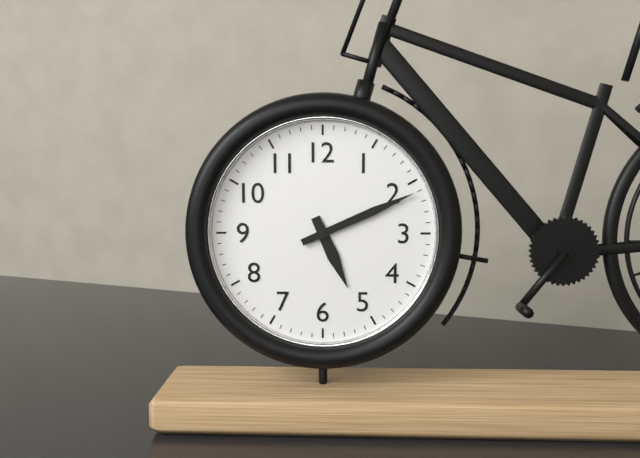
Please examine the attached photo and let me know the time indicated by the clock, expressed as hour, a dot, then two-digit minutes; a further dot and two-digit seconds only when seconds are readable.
5.11
